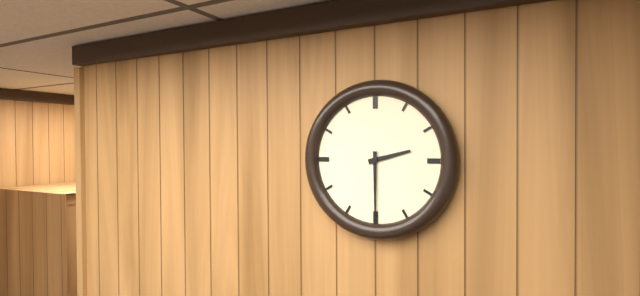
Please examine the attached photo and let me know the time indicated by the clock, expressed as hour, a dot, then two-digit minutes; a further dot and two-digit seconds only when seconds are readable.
2.30
